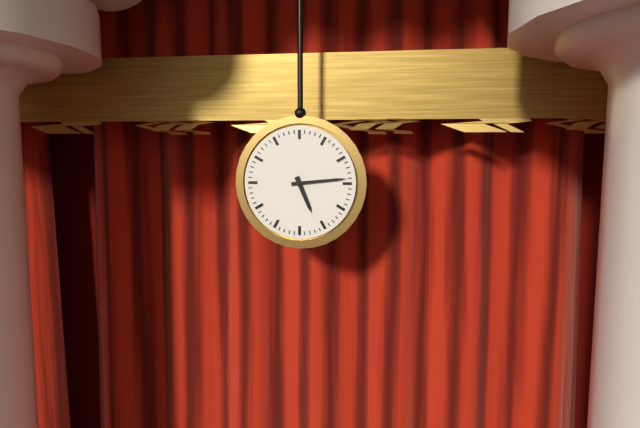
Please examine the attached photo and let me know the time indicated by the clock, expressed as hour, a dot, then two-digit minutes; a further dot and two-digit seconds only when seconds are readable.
5.14
